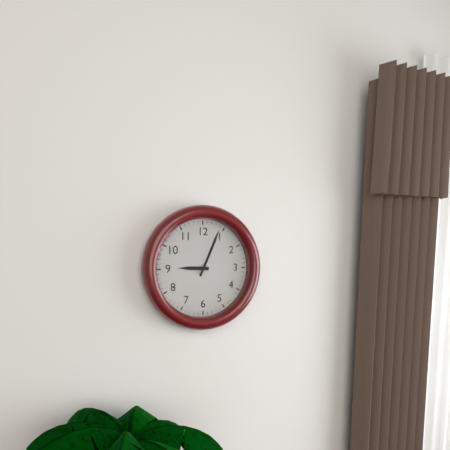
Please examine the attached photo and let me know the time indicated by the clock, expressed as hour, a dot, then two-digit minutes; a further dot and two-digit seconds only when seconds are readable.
9.04
